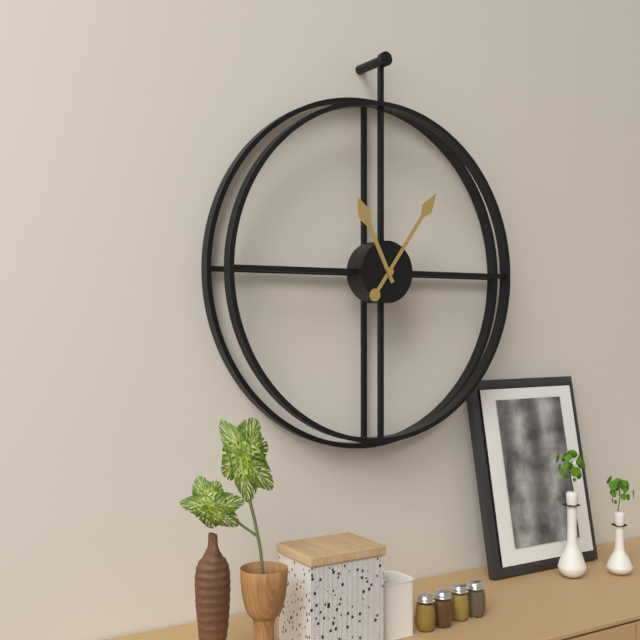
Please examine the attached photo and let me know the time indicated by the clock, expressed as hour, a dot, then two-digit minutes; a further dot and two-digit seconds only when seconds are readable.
11.06
